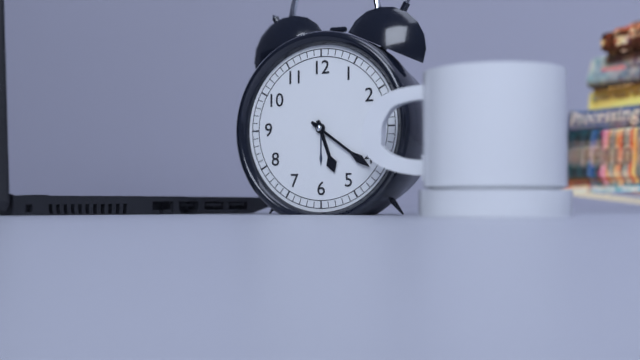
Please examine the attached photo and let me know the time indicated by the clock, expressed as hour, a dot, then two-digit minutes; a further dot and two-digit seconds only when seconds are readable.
5.21
